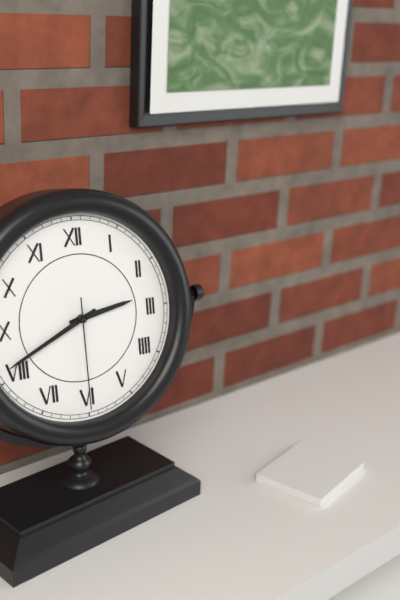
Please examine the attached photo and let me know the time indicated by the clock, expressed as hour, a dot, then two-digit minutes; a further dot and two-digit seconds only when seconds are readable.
2.41.30
